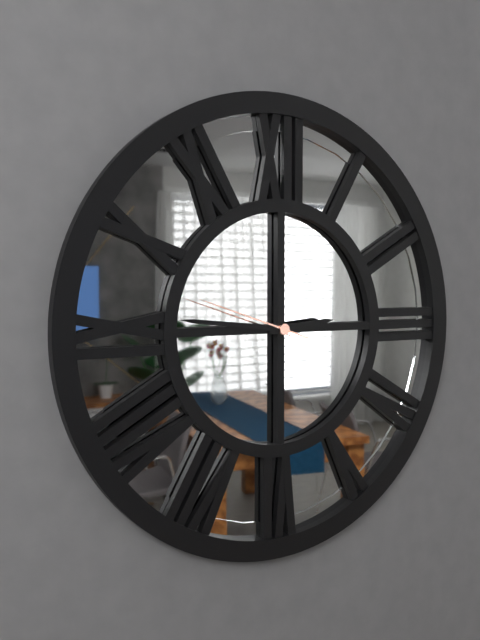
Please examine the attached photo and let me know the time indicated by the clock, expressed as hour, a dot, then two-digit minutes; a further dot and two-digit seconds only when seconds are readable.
2.46.48
